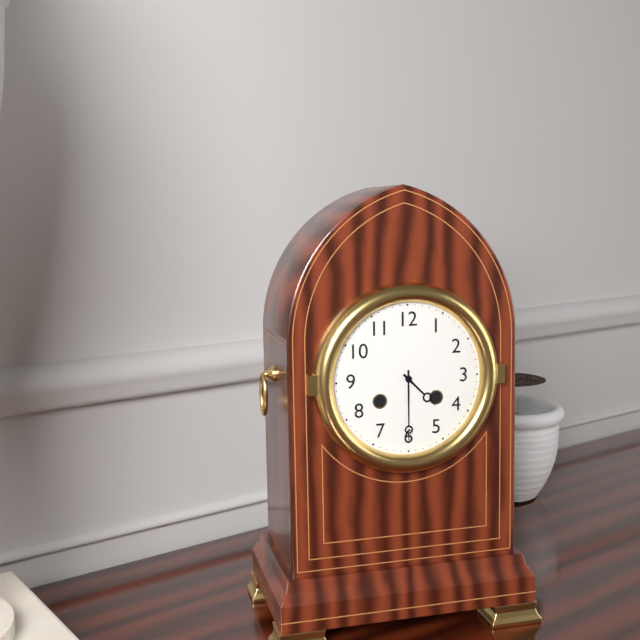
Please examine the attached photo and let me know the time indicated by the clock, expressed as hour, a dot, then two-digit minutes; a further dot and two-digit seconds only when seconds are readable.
4.30
